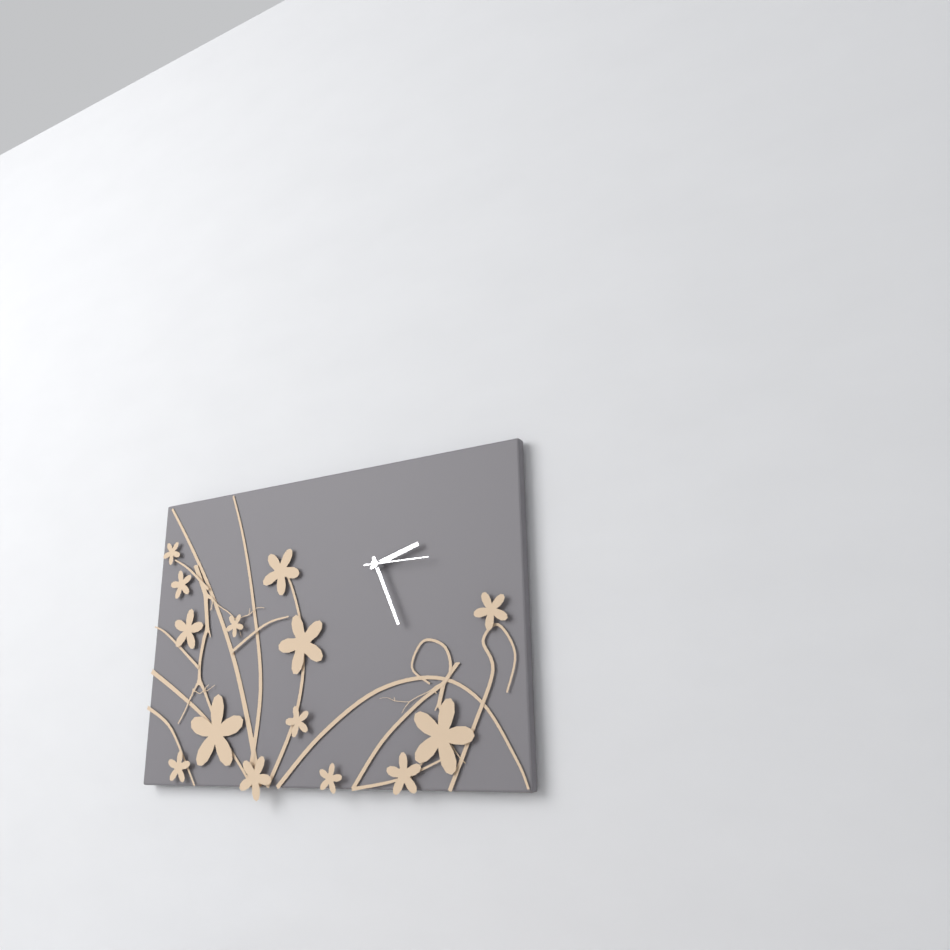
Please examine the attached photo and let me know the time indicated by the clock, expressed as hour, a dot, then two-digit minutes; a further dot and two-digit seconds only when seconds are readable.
2.26.15
